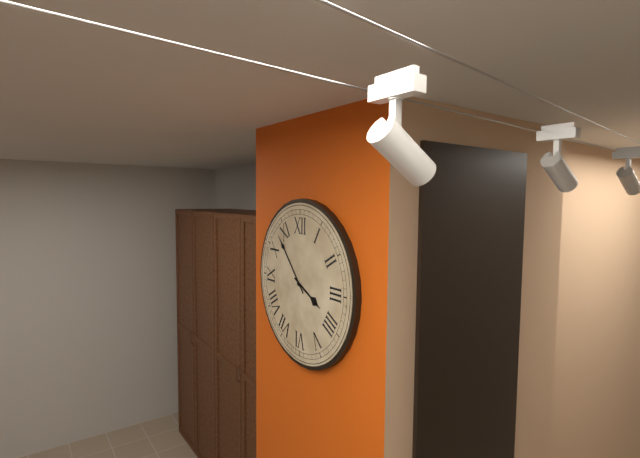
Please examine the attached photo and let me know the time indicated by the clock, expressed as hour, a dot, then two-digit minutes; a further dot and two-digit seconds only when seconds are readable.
3.53
